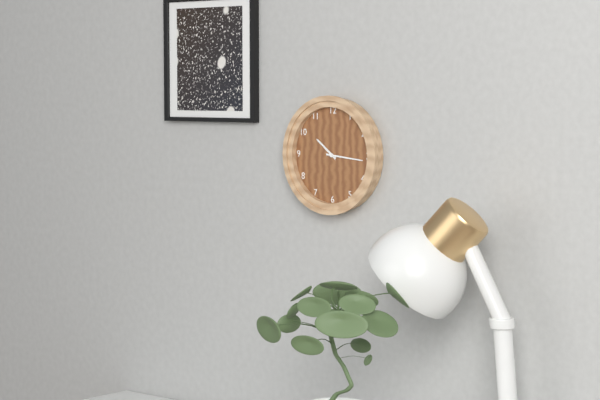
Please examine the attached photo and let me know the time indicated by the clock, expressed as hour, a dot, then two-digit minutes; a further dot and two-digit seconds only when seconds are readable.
10.16
